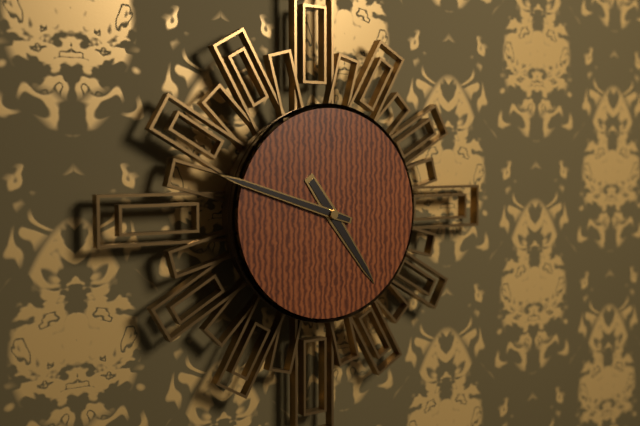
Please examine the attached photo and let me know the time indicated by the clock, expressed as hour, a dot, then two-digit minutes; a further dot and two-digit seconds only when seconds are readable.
4.48
